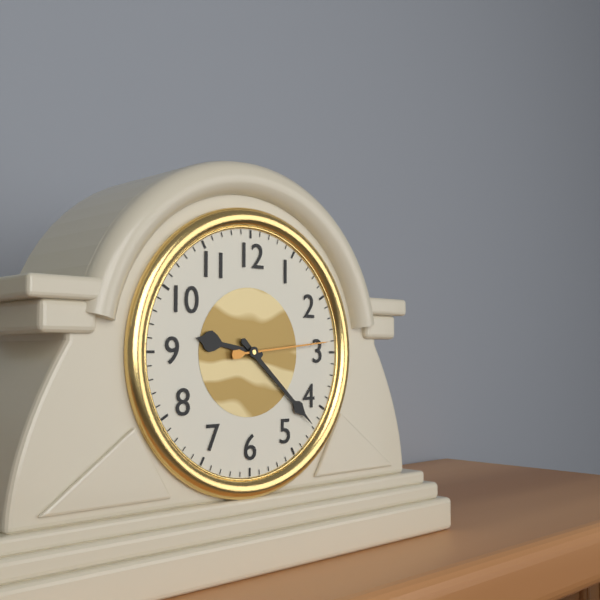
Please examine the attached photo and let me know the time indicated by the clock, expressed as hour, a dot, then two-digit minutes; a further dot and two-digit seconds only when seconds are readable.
9.22.14
